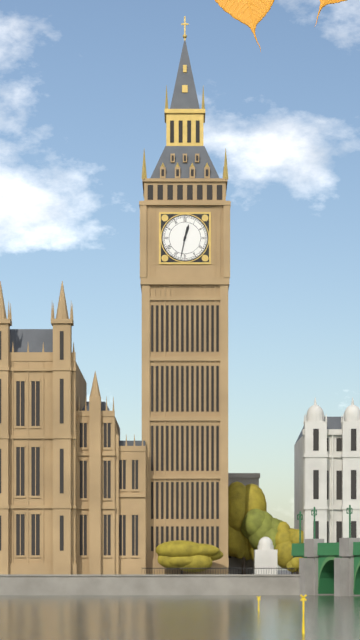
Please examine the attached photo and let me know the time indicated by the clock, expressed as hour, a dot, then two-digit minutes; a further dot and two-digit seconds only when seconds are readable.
12.32
